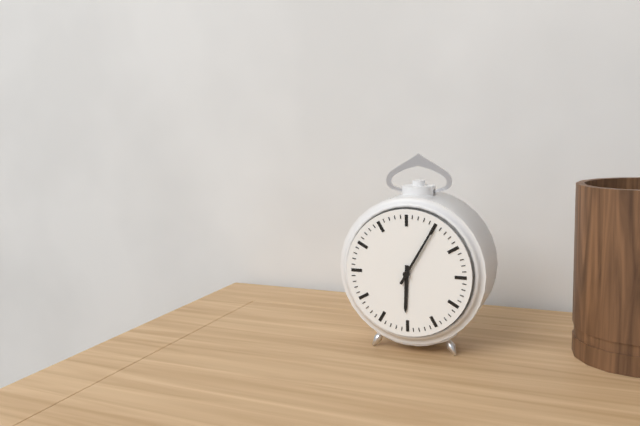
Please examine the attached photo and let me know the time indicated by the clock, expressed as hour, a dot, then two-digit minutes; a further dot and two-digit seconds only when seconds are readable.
6.05
